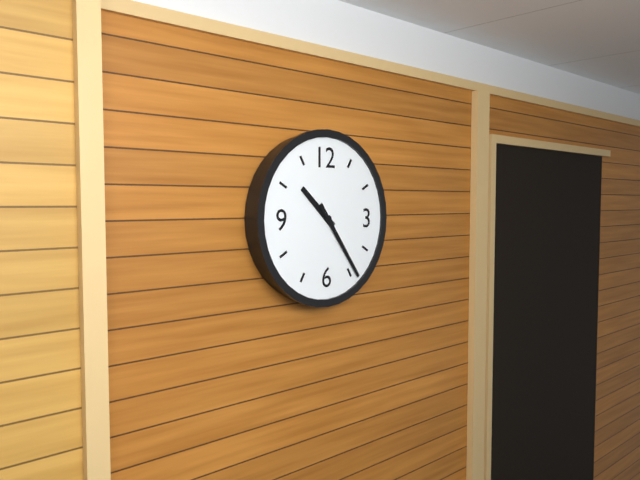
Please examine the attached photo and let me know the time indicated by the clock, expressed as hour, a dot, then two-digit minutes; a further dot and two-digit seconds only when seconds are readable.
10.24
